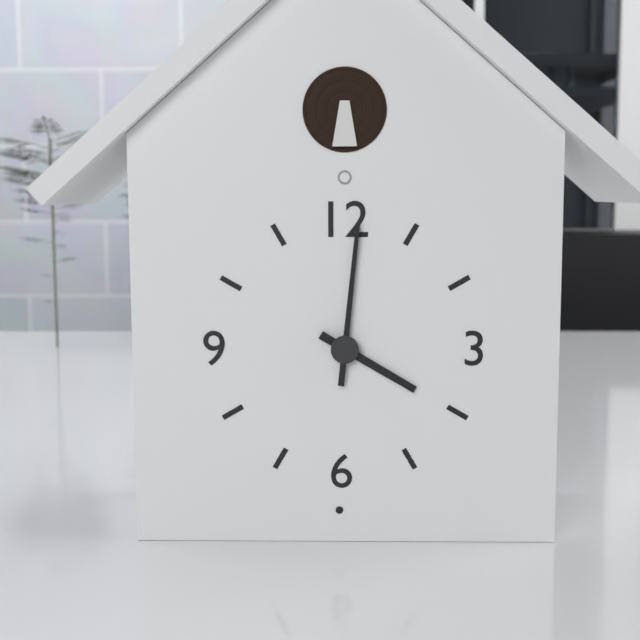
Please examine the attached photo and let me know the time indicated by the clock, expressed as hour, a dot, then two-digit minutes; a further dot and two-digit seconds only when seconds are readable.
4.01
